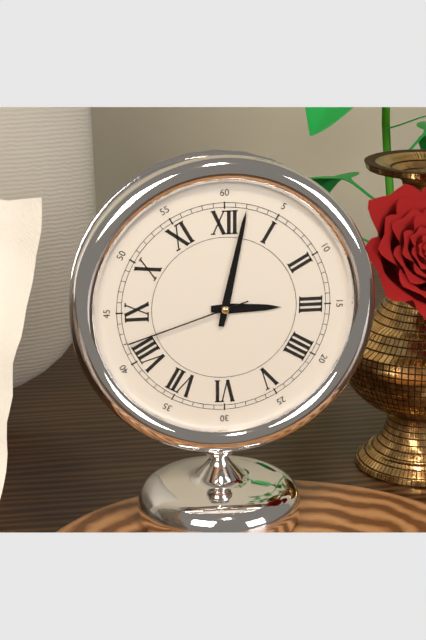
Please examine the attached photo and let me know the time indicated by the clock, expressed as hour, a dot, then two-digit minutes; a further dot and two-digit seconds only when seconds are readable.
3.02.42
